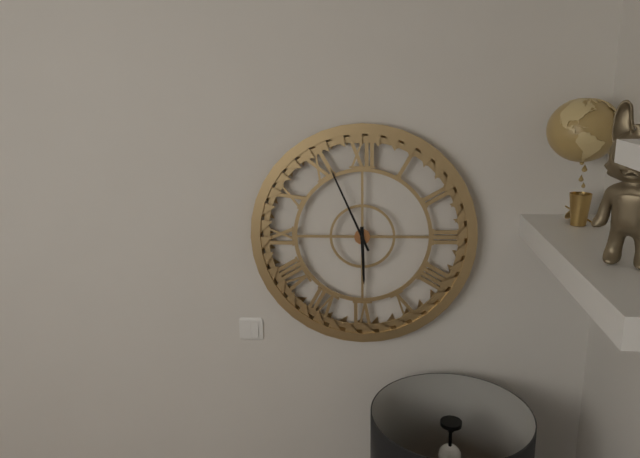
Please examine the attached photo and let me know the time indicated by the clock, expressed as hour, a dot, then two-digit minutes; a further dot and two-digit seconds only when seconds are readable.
5.56
